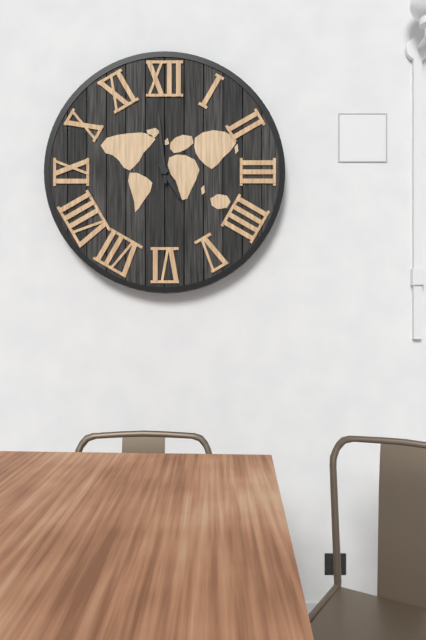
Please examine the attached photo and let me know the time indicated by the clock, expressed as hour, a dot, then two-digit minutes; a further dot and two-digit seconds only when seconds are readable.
4.59
